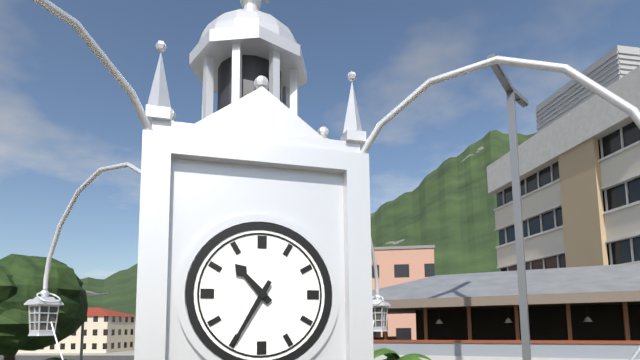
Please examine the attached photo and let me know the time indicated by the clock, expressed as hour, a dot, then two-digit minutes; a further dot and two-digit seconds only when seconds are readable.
10.35
